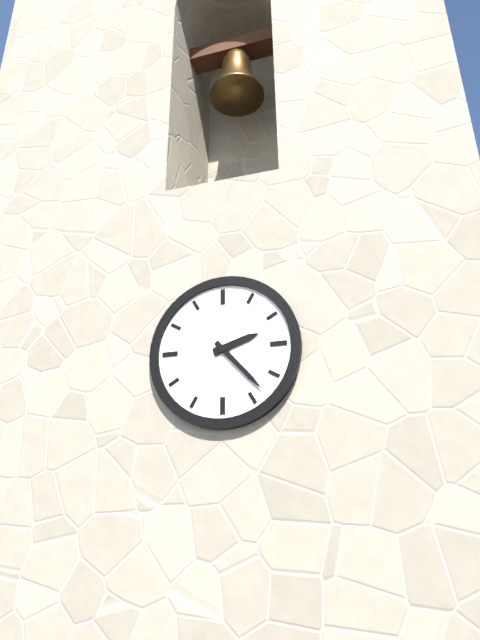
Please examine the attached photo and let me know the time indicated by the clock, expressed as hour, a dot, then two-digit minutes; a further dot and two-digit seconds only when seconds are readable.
2.23
